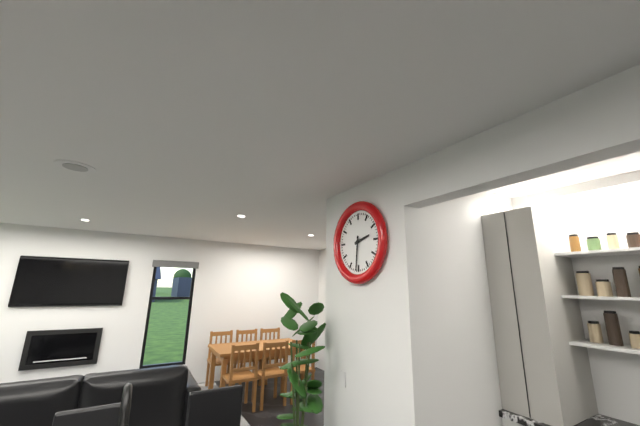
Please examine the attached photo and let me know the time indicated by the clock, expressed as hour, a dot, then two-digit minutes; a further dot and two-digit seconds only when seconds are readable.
2.31
